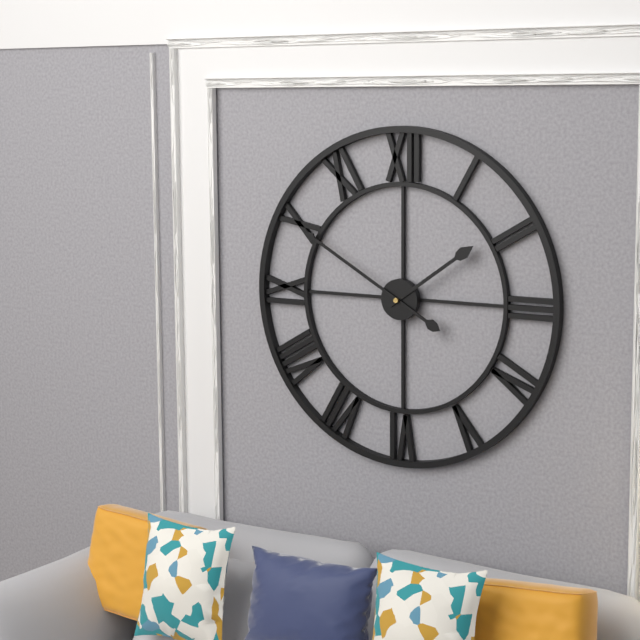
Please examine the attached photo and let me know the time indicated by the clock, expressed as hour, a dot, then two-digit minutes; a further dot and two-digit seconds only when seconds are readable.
1.50
